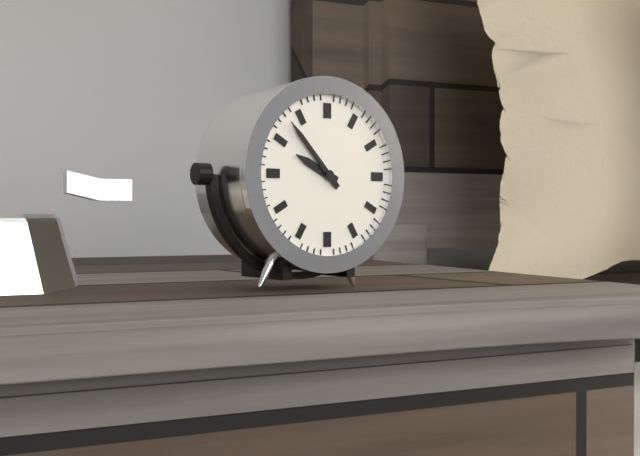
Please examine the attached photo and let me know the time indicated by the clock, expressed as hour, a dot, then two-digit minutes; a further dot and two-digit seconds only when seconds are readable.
9.53
